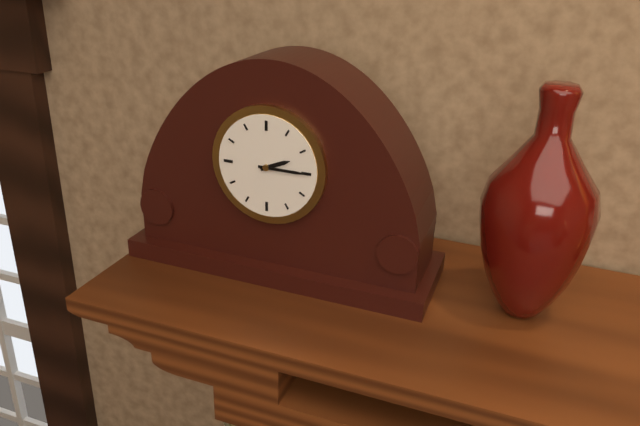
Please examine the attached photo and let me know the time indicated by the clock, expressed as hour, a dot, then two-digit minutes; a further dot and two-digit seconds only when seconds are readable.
2.15
